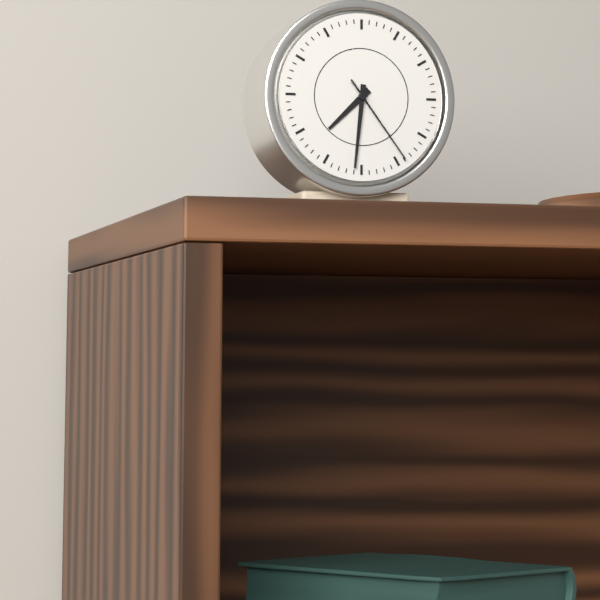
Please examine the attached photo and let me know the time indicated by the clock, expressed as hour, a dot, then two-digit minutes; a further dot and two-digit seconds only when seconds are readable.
7.31.24
